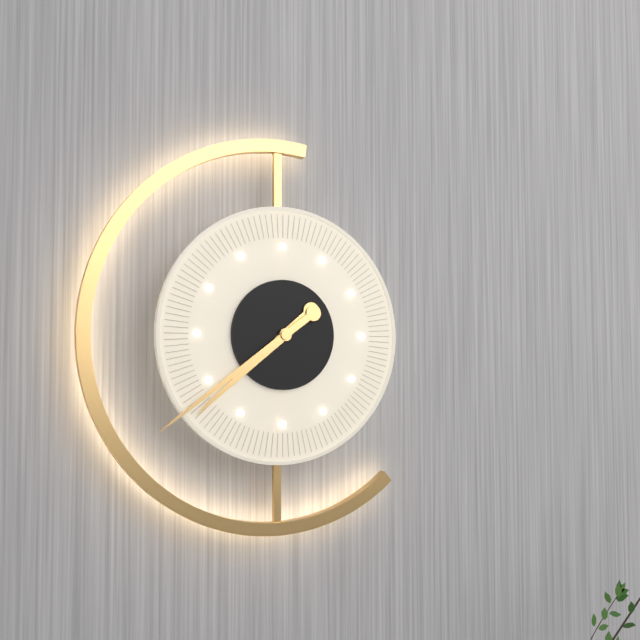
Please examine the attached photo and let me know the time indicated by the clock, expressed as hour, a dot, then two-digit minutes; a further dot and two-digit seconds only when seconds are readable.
7.39
